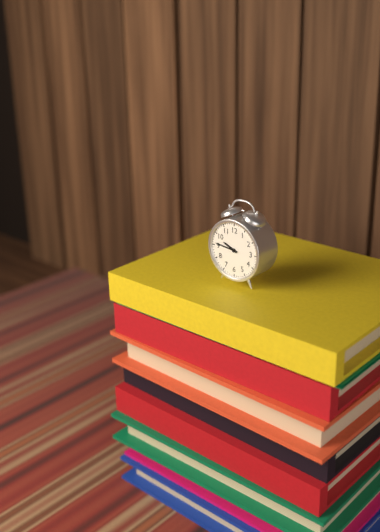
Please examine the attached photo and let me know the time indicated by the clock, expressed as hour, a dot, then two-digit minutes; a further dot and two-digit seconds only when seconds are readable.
9.46
